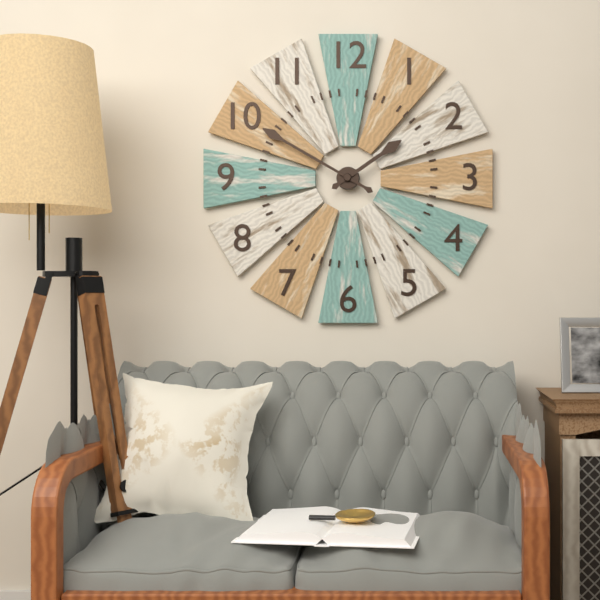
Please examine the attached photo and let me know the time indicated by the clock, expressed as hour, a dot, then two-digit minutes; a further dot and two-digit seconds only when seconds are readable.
1.50
